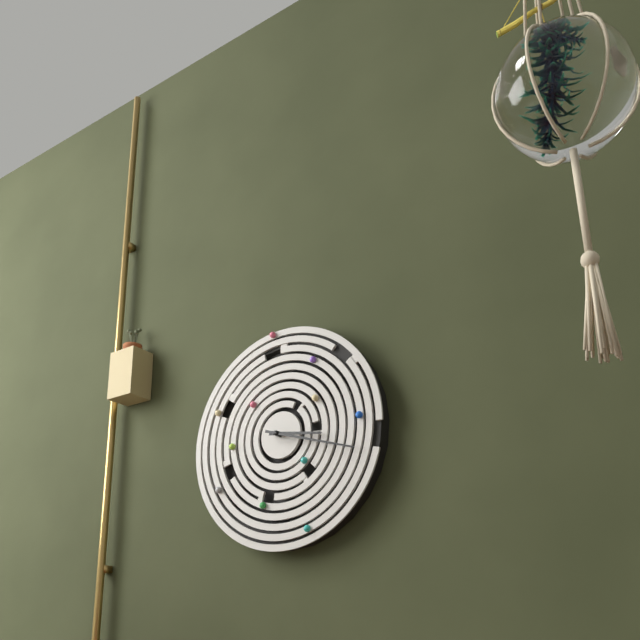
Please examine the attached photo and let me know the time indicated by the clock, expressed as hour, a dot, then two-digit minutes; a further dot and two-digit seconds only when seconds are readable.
3.18
